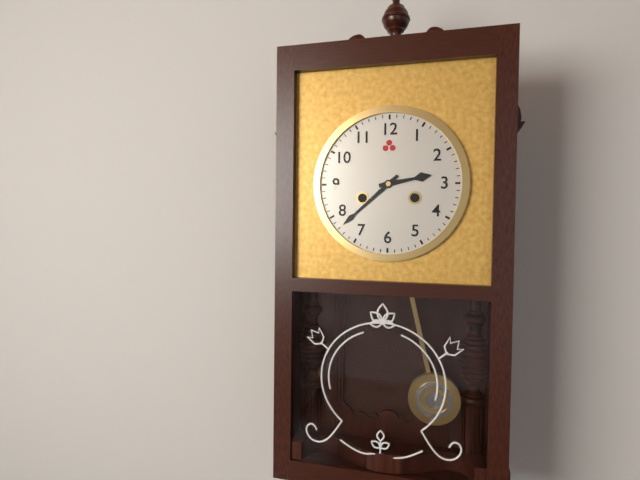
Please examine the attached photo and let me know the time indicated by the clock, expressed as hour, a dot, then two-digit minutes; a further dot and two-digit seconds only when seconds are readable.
2.38
